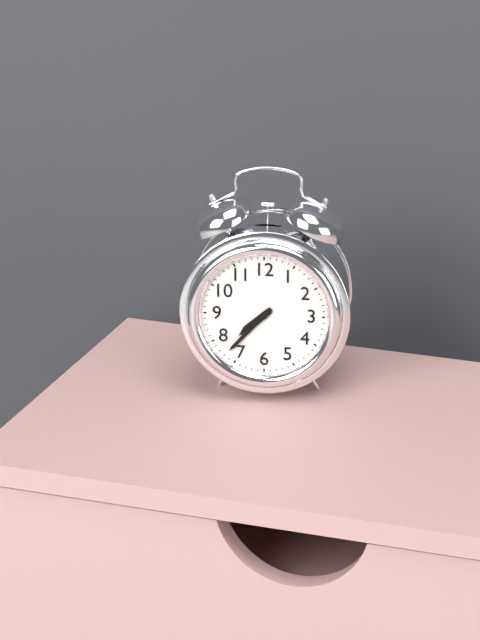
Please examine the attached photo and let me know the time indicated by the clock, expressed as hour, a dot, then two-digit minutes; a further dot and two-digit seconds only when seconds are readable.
7.37
